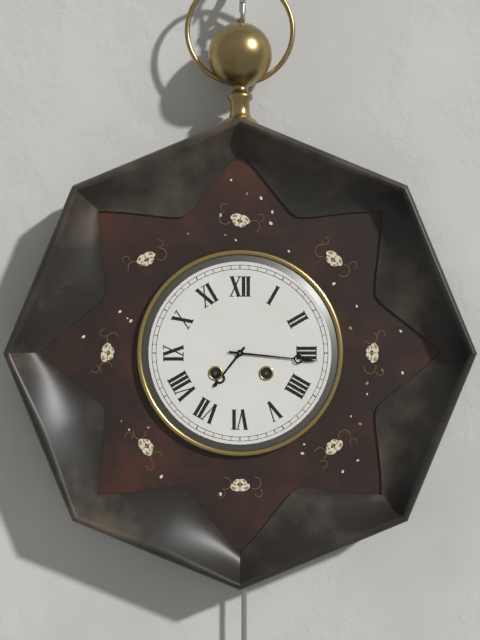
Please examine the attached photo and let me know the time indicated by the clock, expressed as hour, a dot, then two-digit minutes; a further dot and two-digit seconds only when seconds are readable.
7.16
